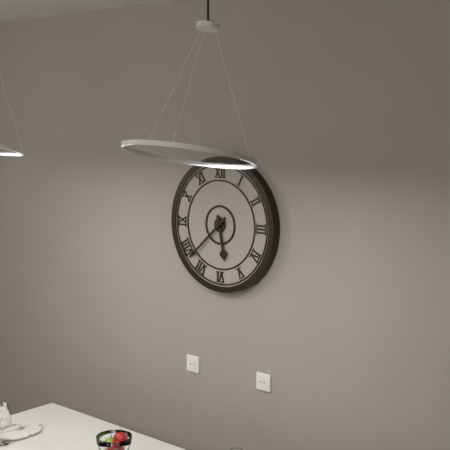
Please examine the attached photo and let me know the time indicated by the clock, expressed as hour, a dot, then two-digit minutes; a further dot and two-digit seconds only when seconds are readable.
5.38
